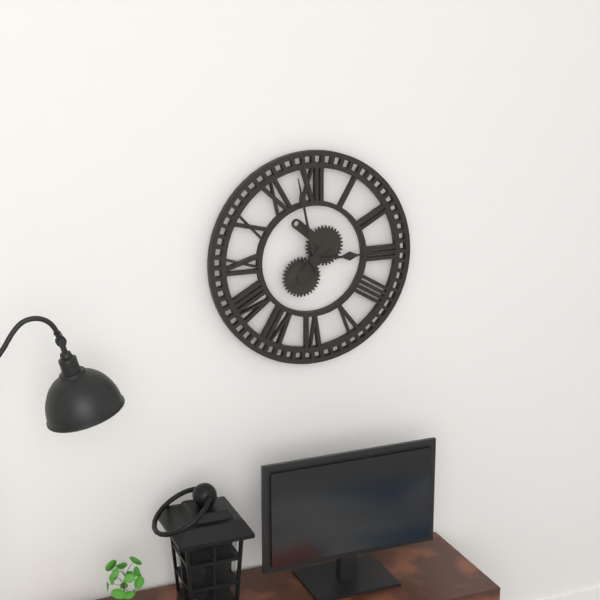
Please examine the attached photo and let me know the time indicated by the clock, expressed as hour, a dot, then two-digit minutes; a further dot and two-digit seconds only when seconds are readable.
2.58
